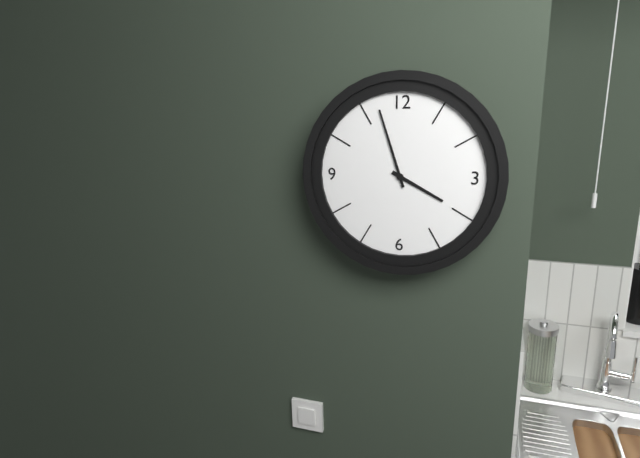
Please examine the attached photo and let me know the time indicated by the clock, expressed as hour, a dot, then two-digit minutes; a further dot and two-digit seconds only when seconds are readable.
3.57
